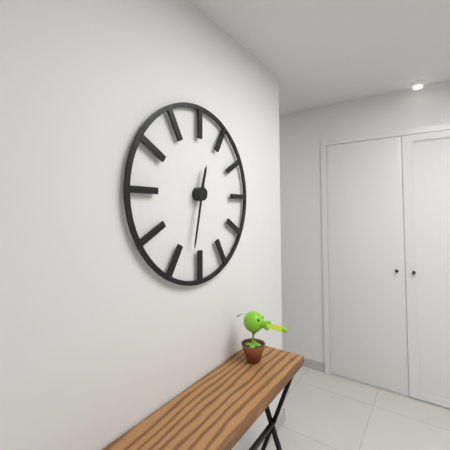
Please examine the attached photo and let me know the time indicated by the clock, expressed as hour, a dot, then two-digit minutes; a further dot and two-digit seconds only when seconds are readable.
12.32
